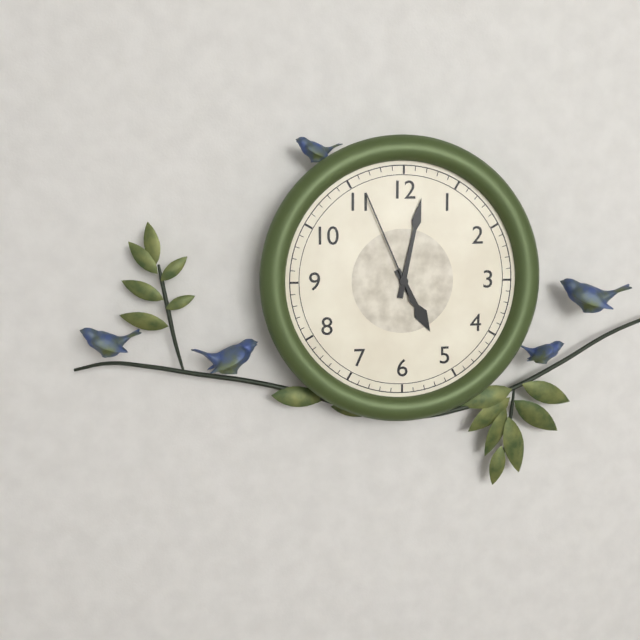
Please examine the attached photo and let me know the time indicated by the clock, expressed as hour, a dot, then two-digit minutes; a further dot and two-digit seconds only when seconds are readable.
5.02.56
